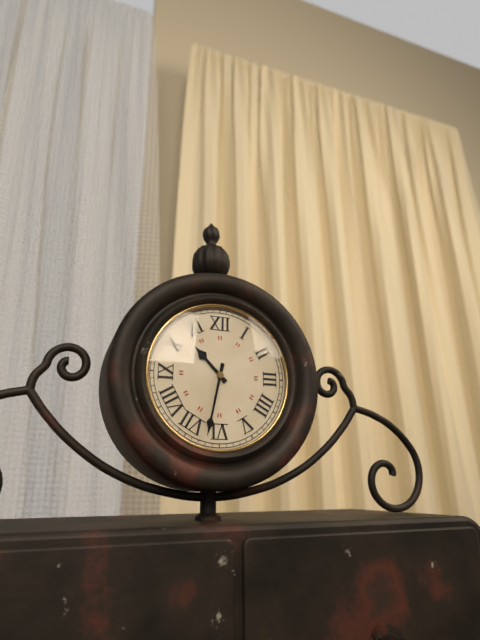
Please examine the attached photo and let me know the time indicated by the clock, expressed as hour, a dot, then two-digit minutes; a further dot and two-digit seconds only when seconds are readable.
10.32
